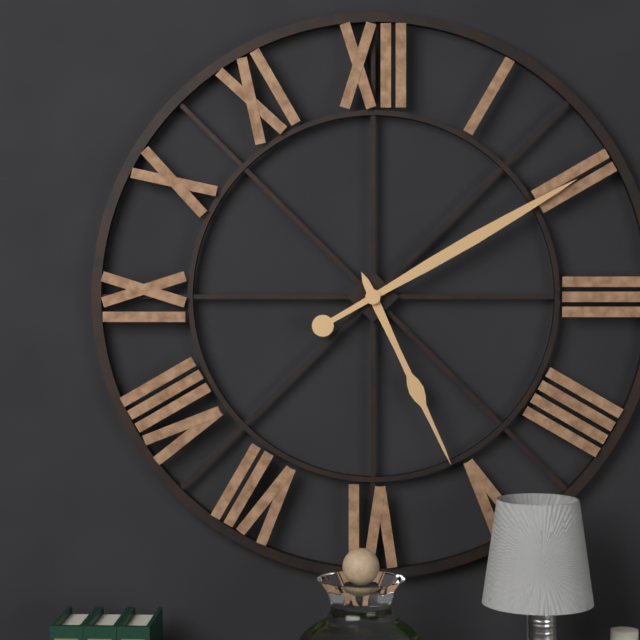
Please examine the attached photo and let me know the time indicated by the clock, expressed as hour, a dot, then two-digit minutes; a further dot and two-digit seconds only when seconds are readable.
5.10
